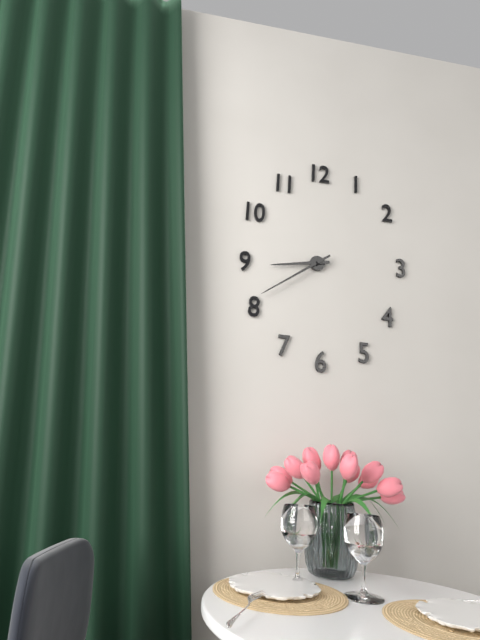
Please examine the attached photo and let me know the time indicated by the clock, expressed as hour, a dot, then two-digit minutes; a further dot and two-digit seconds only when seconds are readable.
8.39
